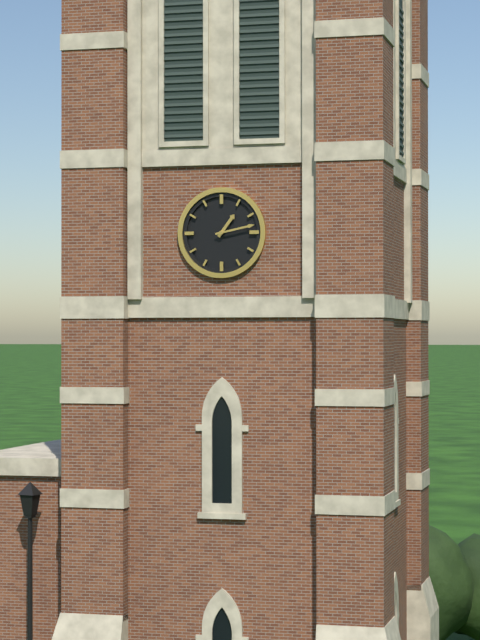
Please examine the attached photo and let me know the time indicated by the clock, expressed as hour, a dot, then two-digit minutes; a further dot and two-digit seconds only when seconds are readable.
1.13
